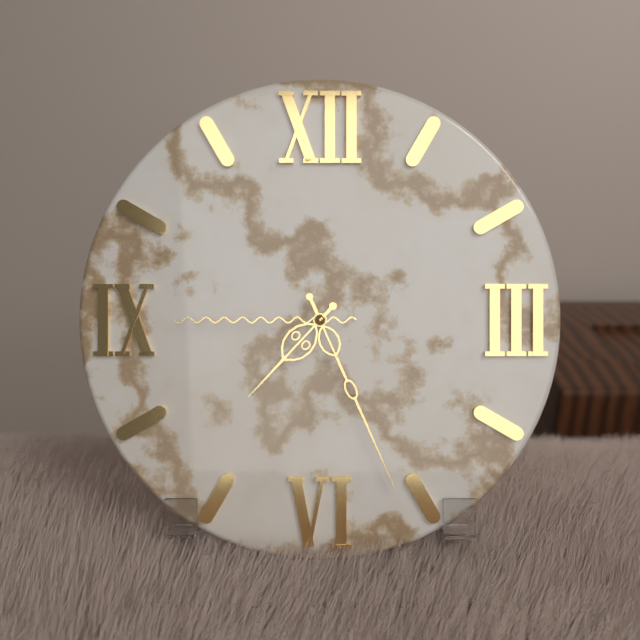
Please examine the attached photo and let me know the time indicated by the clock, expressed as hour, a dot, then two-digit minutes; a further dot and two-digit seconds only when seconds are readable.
7.26.45
